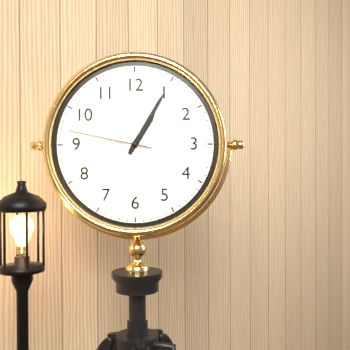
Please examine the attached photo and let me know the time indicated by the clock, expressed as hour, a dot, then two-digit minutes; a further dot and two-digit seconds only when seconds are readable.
1.05.47
